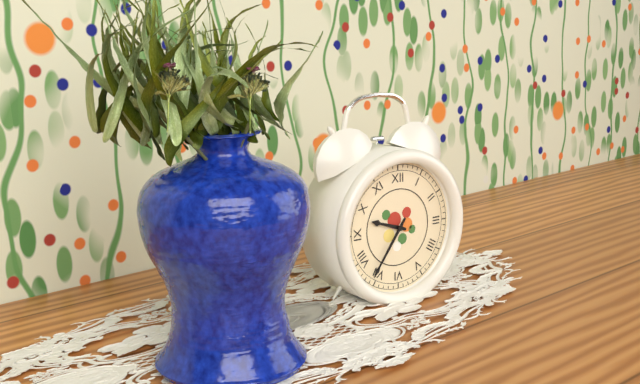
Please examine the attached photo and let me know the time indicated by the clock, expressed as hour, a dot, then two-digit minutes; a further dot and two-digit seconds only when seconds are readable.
9.36
